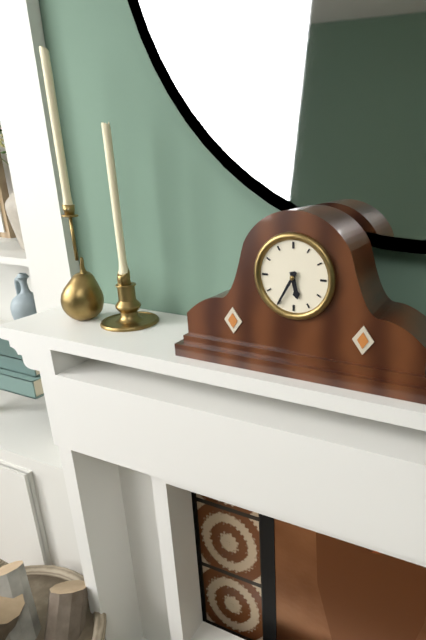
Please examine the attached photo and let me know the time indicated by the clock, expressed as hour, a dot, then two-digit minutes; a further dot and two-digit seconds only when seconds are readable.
5.35
